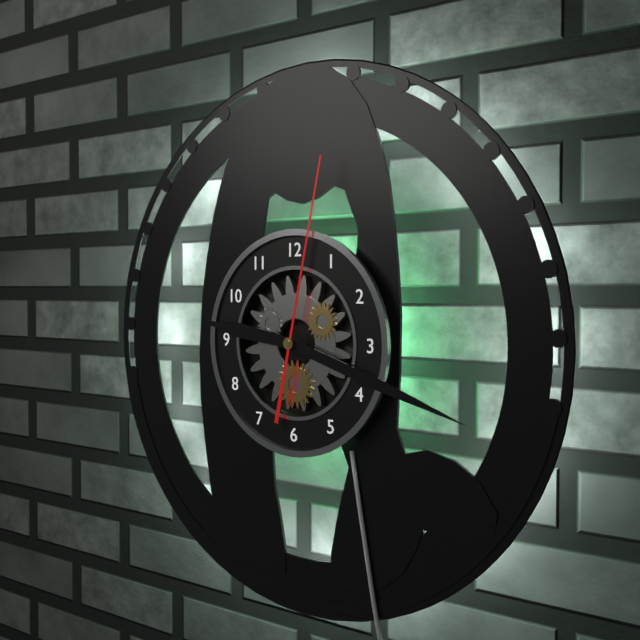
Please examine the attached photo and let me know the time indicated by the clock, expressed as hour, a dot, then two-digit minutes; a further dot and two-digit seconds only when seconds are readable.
9.18.02
